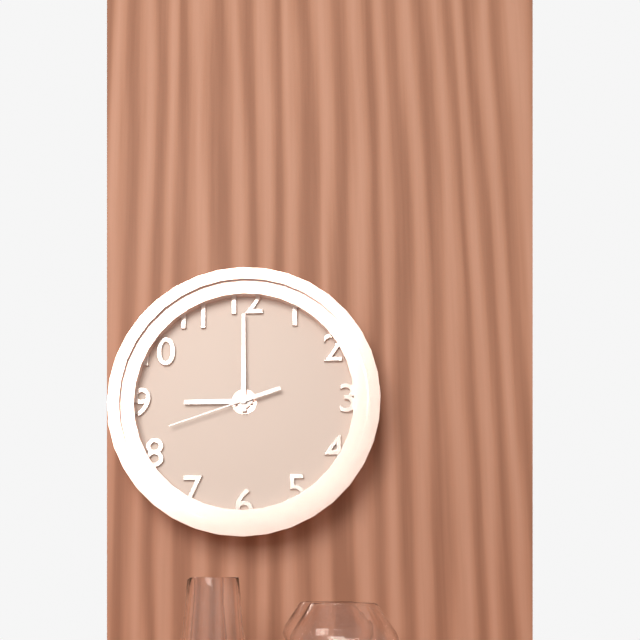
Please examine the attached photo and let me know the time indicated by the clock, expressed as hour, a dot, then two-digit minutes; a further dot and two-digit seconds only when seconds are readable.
9.00.42
